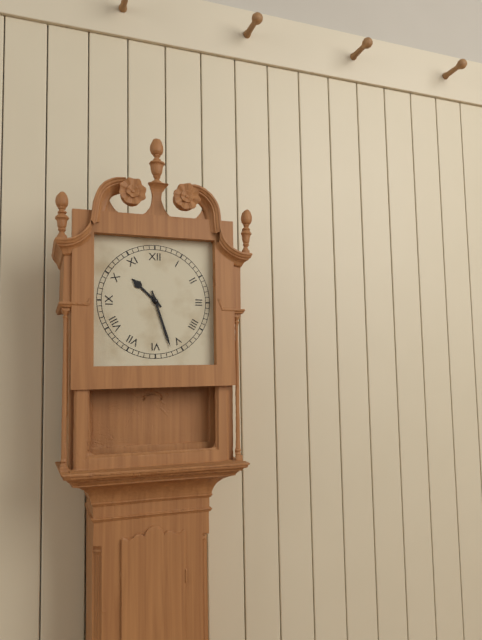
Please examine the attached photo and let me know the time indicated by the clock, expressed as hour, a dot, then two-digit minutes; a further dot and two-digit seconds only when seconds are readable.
10.27
